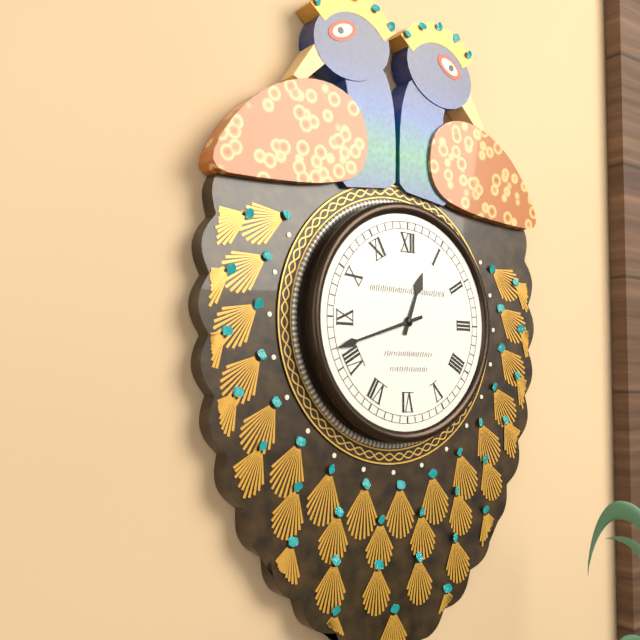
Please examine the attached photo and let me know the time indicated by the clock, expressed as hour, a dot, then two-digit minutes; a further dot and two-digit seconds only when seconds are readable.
12.42
